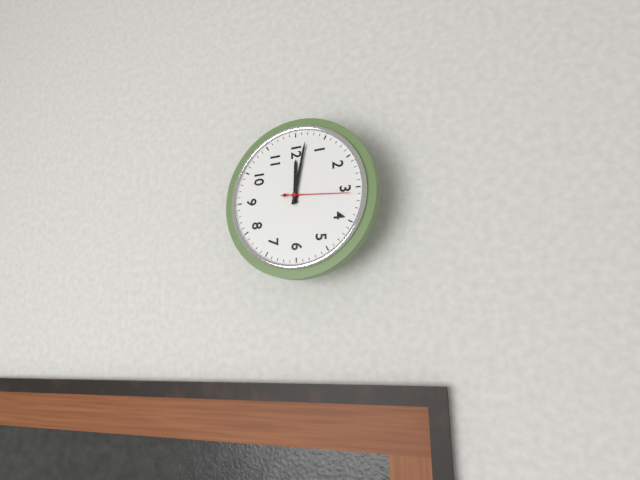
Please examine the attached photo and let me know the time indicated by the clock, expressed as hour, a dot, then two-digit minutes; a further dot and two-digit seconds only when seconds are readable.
12.02.16
